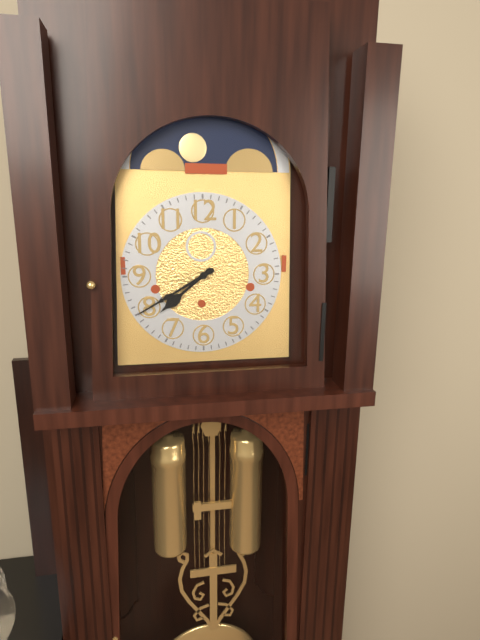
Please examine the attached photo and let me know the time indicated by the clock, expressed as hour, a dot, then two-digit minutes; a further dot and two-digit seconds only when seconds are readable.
7.40
